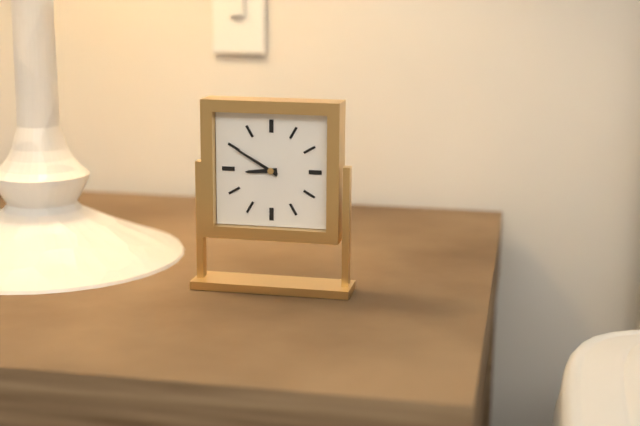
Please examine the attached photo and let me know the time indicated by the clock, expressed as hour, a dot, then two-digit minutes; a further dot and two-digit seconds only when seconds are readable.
8.50
